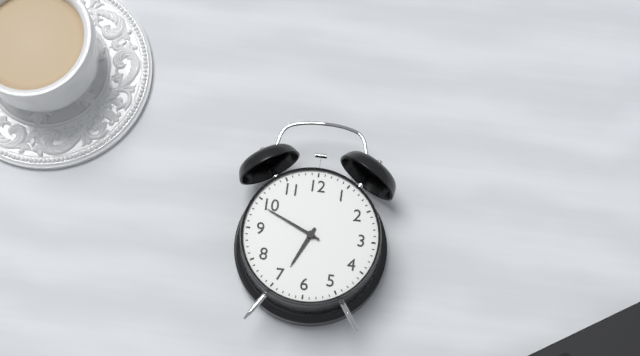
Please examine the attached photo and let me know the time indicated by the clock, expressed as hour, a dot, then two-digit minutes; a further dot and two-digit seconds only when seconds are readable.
6.49
